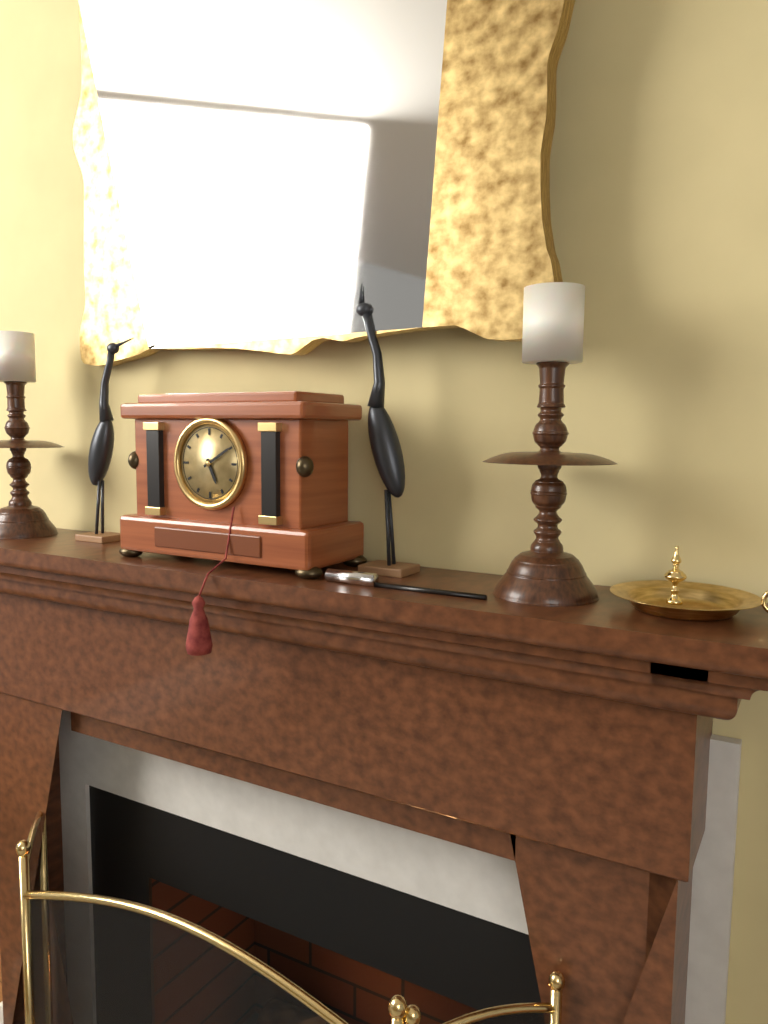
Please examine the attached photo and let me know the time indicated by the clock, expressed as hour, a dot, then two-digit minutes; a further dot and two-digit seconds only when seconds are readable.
5.10
